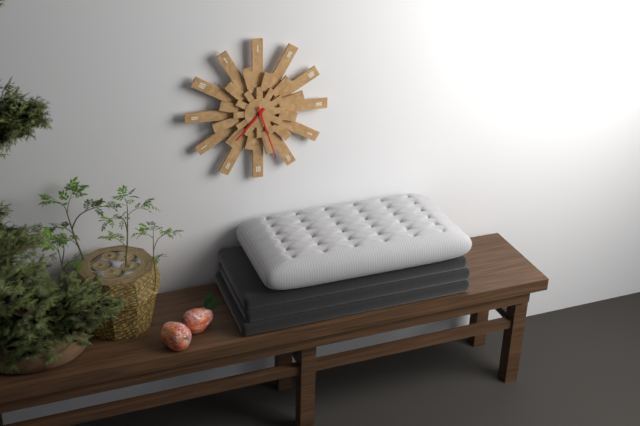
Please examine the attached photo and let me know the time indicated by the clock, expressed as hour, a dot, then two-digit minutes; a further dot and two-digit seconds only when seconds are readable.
7.27
